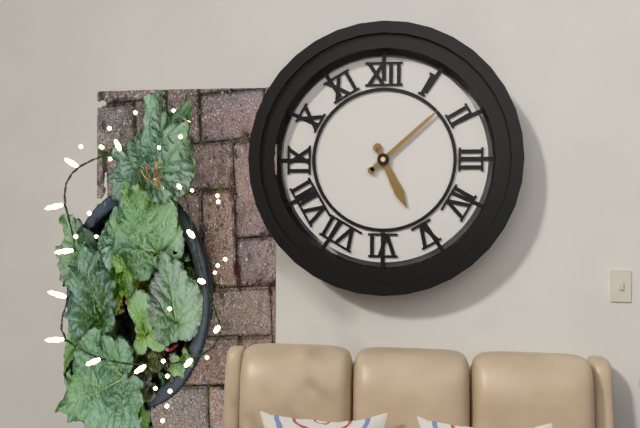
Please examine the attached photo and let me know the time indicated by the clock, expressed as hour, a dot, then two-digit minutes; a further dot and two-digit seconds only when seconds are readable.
5.08
